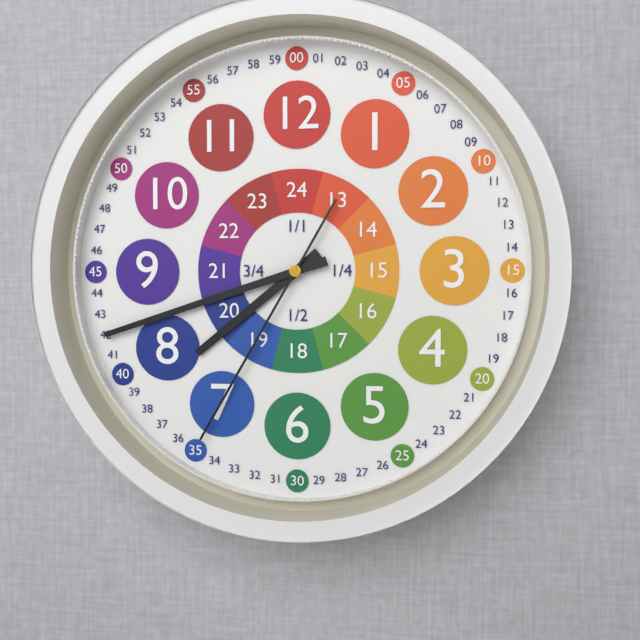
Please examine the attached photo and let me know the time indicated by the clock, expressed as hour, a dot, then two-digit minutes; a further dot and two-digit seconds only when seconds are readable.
7.42.35
